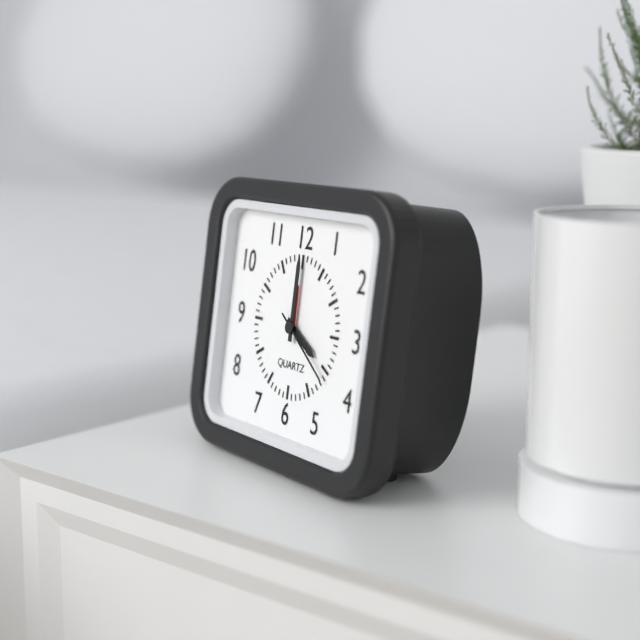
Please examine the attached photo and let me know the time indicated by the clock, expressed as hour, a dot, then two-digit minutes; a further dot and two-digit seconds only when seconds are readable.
4.00.21
